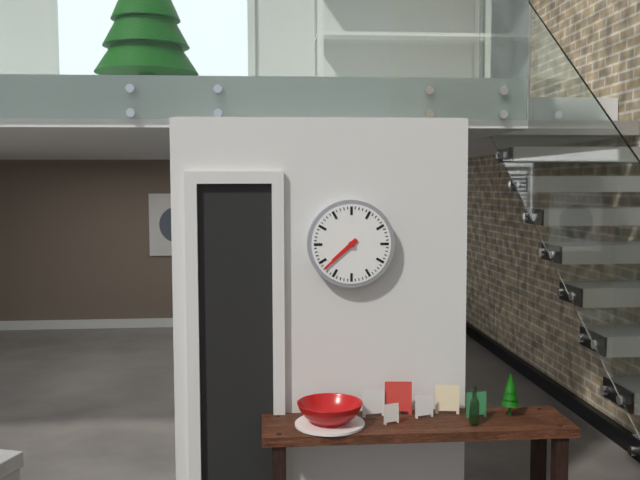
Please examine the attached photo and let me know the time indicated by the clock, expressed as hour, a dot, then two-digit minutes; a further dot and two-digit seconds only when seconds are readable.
7.38
